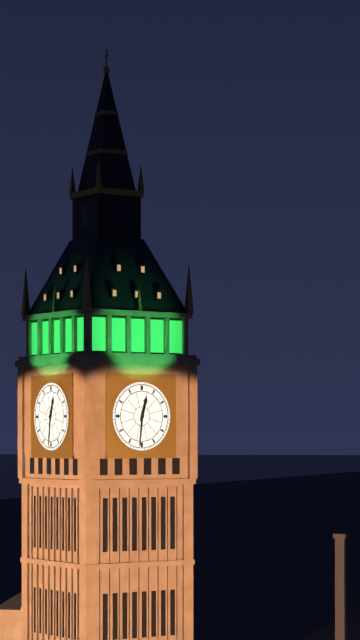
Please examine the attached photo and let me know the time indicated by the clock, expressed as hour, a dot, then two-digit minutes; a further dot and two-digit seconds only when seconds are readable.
12.31
